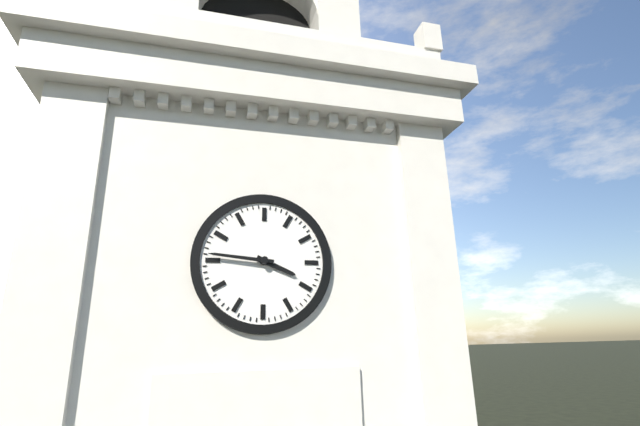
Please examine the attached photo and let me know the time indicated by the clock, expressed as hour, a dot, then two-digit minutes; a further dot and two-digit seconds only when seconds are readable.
3.46
